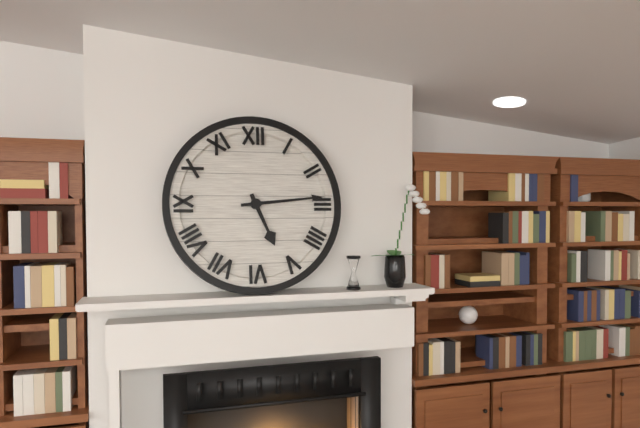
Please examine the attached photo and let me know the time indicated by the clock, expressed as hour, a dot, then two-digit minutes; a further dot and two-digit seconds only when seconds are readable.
5.14
